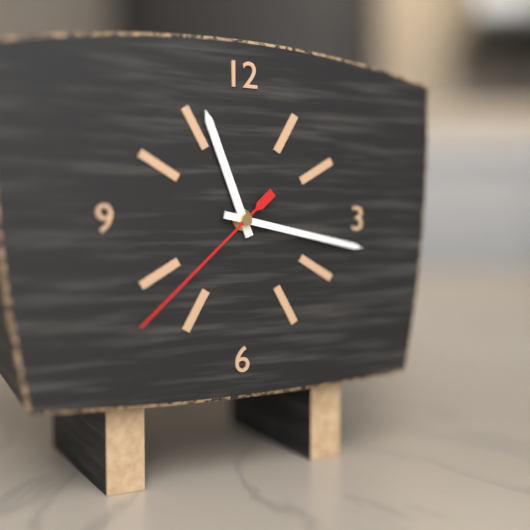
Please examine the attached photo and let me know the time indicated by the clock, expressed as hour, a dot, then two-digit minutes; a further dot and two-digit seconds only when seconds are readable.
11.17.38
